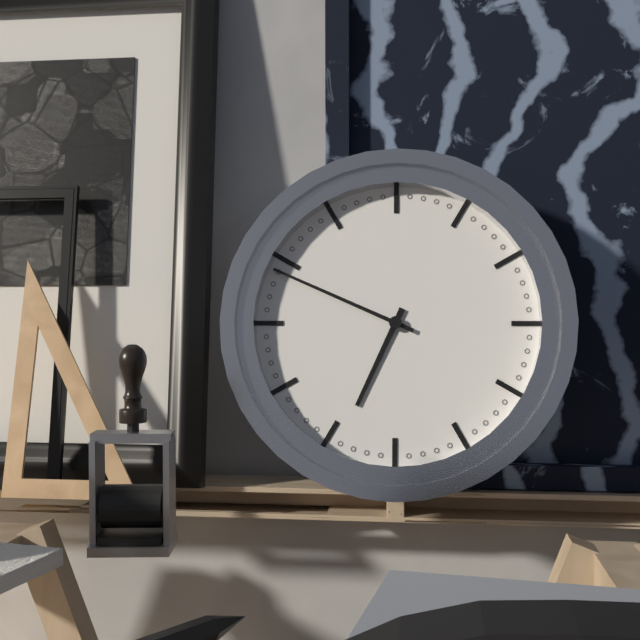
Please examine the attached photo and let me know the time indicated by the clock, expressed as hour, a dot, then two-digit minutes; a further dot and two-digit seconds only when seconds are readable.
6.49
